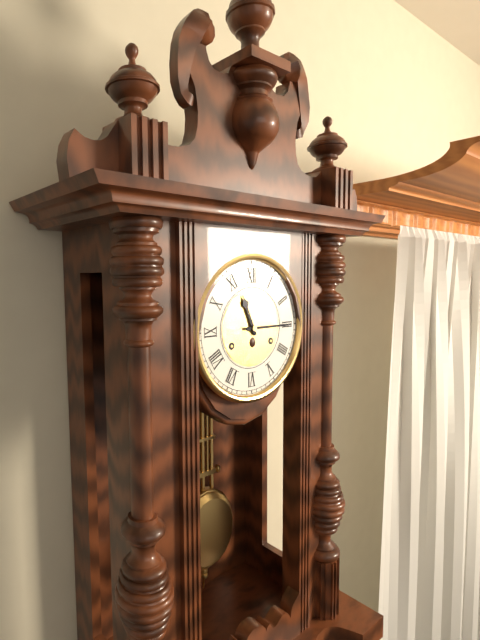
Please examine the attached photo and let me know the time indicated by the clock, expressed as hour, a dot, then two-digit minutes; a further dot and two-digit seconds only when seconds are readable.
11.15
